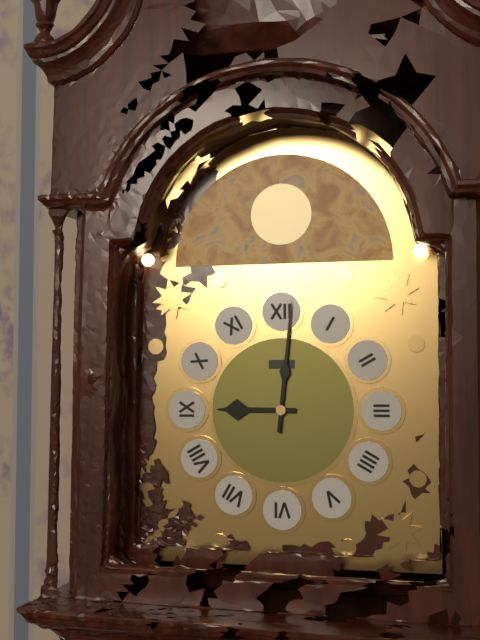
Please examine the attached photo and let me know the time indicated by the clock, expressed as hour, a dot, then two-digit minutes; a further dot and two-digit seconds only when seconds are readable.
9.01
